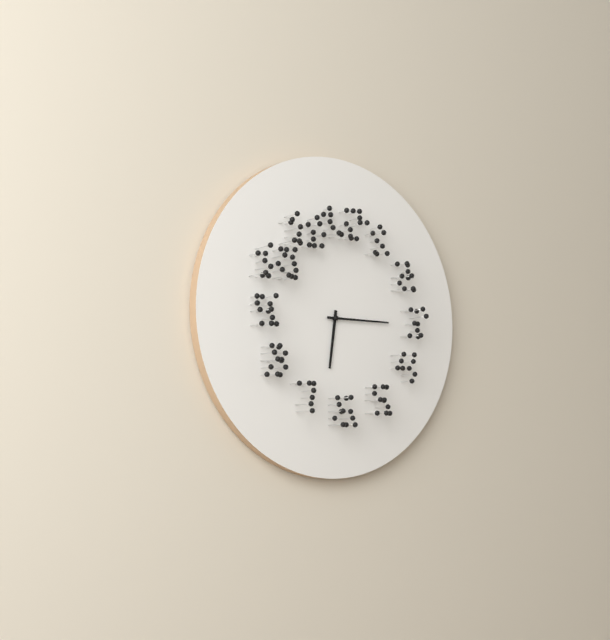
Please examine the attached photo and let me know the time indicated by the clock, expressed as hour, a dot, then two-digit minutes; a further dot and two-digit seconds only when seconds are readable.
6.15
